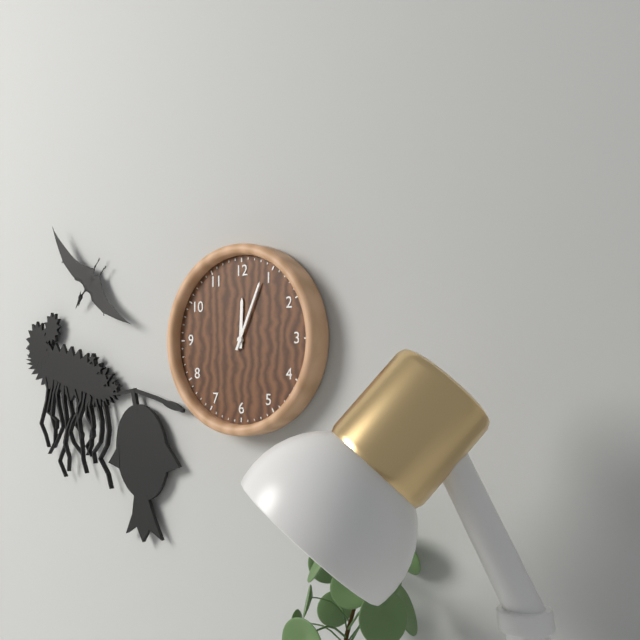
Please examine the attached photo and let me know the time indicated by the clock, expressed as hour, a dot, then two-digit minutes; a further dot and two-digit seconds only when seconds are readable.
12.04
